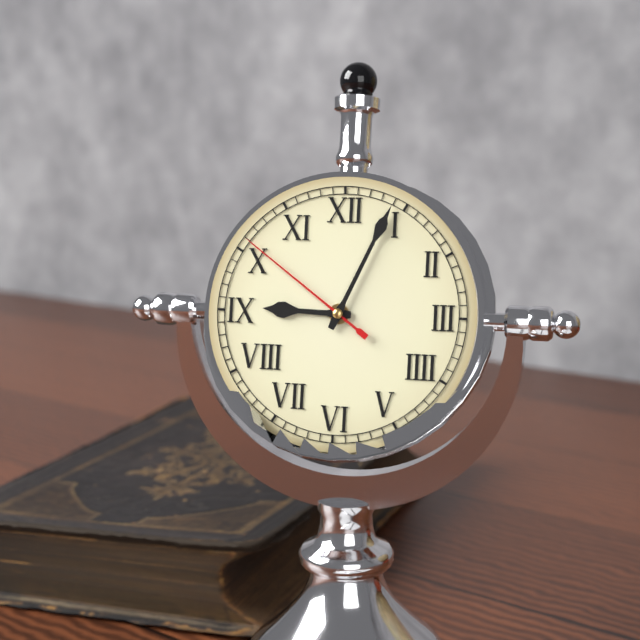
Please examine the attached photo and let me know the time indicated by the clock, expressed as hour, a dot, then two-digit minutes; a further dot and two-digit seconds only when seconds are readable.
9.04.51
